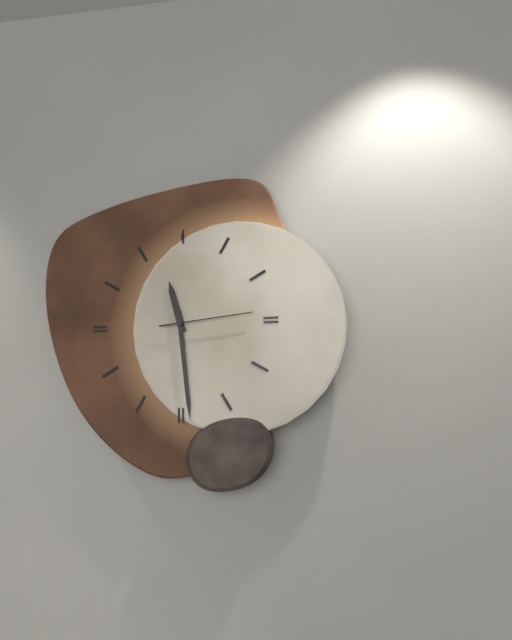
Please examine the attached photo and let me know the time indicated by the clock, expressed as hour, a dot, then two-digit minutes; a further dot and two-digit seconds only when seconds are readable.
11.29.14
